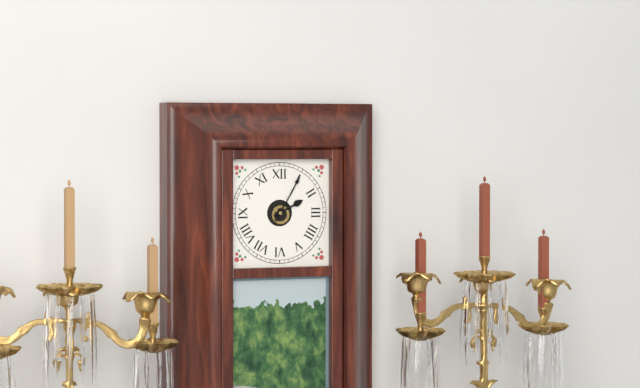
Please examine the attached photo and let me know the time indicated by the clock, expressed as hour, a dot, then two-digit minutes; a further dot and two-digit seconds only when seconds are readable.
2.05
